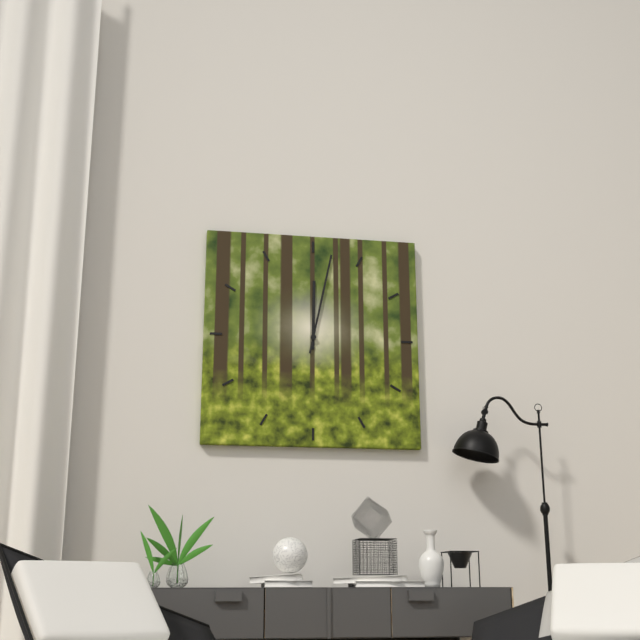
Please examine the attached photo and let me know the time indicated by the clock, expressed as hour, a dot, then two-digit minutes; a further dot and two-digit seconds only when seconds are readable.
12.02
